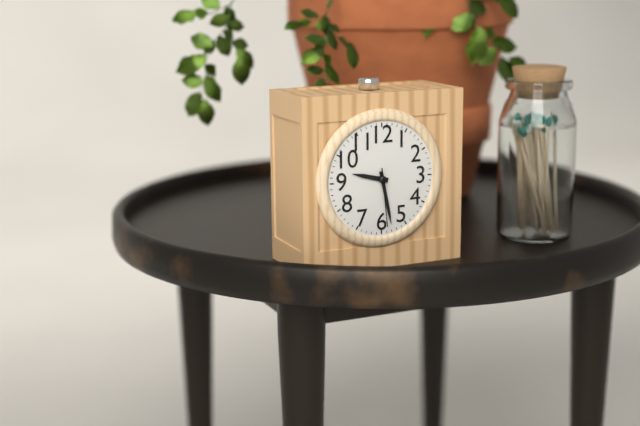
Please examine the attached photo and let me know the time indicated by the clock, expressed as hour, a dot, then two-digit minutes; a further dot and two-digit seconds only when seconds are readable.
9.28.29
